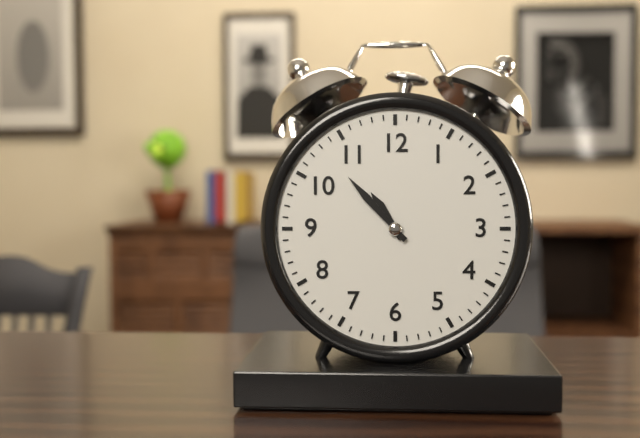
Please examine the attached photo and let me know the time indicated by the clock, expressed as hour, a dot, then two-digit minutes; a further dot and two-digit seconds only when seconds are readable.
10.53
